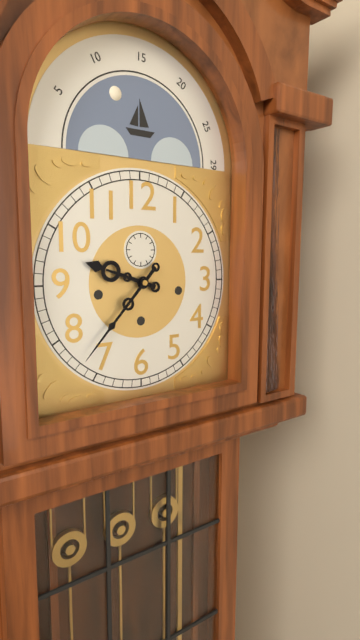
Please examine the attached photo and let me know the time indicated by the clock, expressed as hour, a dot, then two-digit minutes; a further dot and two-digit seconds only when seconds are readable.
9.37
